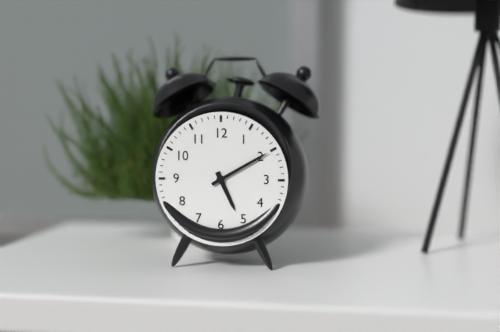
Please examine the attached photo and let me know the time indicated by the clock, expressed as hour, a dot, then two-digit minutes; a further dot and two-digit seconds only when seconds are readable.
5.10
